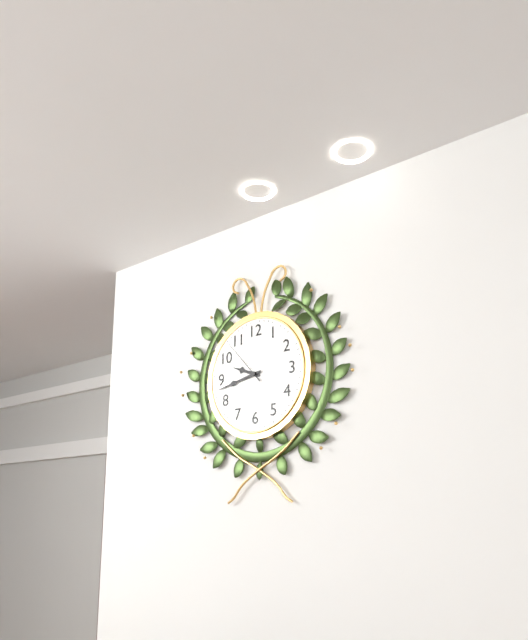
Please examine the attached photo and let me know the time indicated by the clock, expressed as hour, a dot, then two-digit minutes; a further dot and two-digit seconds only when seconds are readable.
9.43
